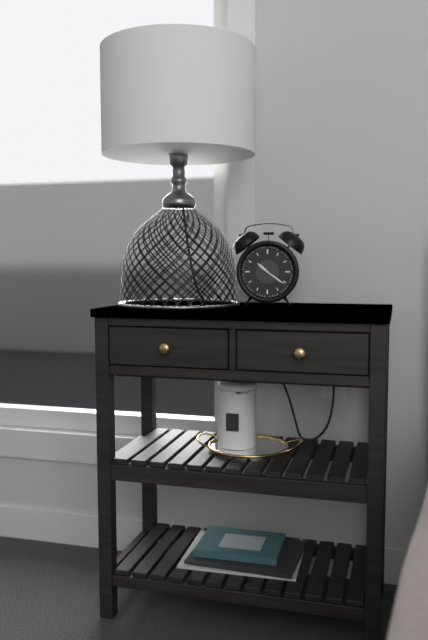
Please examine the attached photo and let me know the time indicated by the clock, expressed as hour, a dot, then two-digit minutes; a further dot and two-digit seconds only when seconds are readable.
10.21
